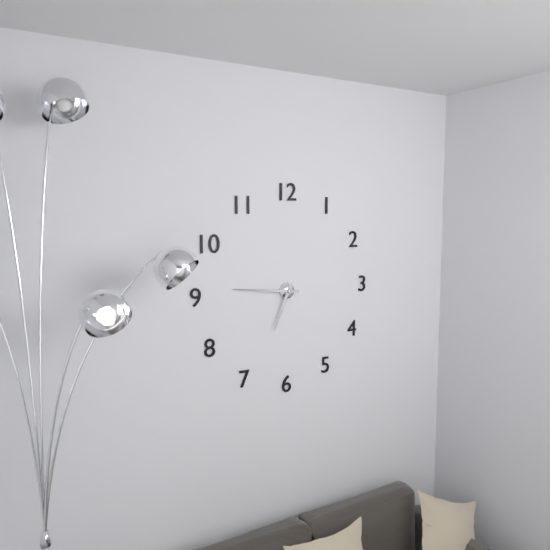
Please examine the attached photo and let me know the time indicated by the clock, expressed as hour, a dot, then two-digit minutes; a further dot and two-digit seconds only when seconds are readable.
6.46
